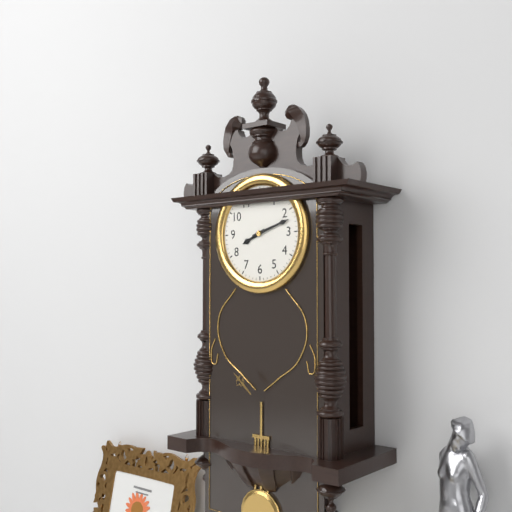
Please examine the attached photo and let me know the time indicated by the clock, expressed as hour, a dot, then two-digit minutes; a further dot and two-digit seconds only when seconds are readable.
8.12
